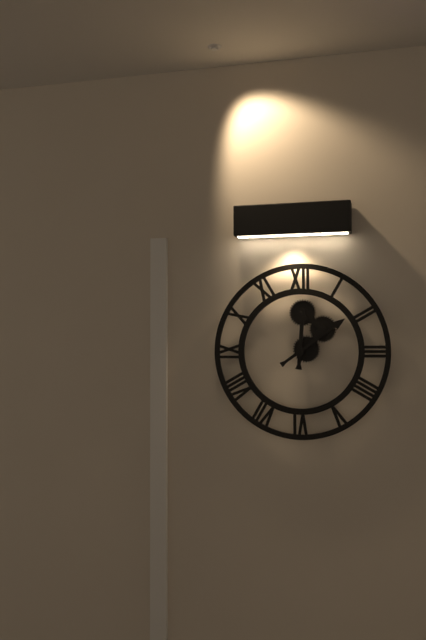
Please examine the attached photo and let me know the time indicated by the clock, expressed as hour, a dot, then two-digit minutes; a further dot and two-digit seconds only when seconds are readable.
12.09
